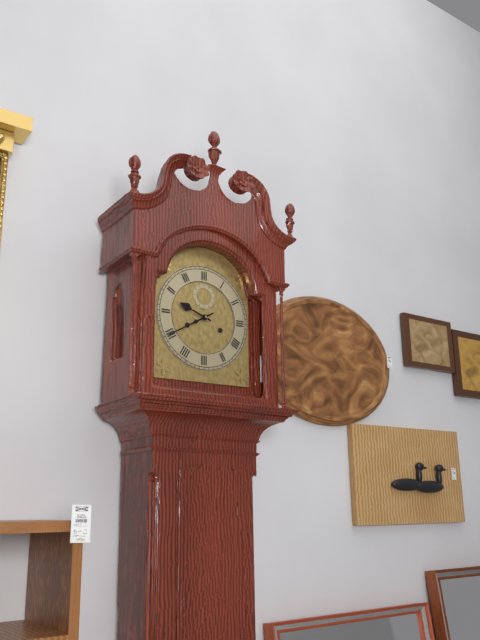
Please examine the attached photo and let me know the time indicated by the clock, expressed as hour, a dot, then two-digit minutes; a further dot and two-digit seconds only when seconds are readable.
9.40
